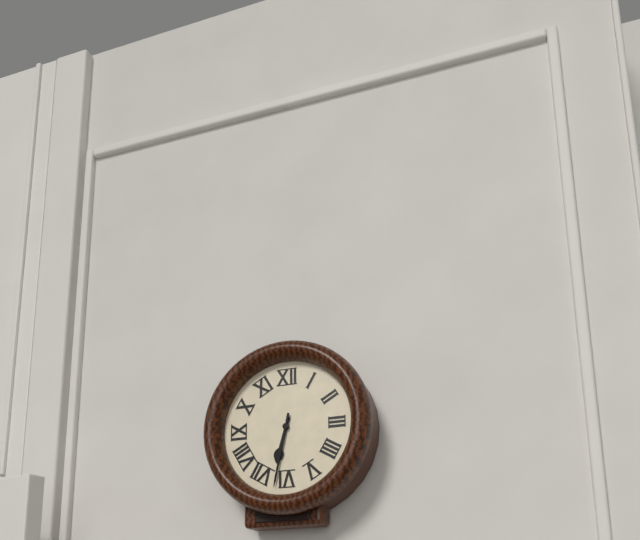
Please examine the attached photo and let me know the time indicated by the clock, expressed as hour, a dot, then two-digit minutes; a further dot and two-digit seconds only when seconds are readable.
6.32
